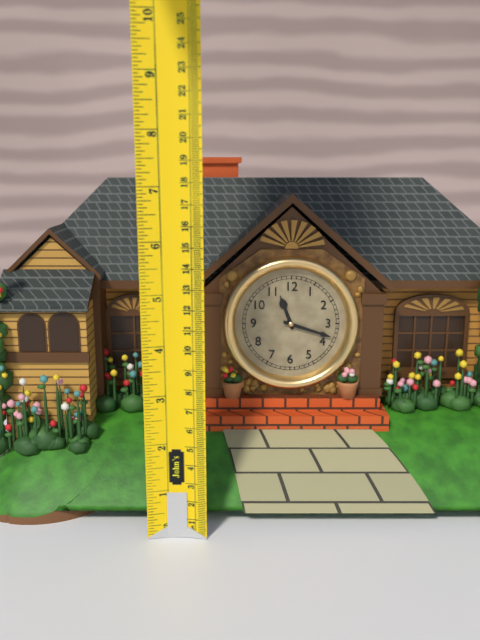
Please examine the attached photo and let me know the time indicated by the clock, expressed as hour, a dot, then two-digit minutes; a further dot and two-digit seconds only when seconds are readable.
11.18
